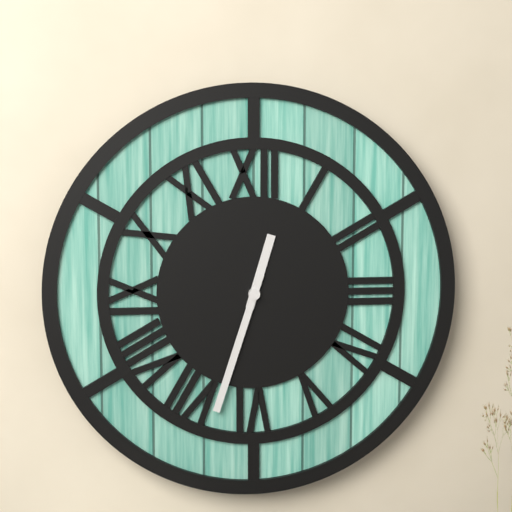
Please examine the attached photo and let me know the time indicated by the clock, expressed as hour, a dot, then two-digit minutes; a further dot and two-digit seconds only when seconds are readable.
12.33
